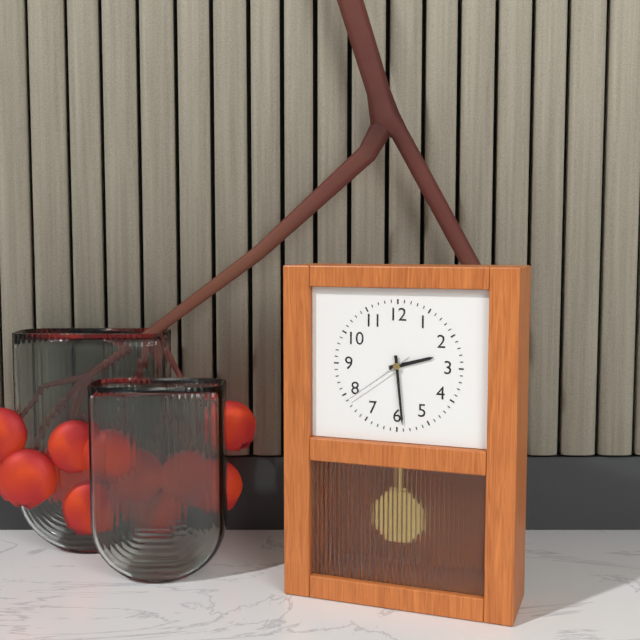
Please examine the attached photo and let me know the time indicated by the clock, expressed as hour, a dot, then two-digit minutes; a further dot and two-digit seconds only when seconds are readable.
2.29.39
